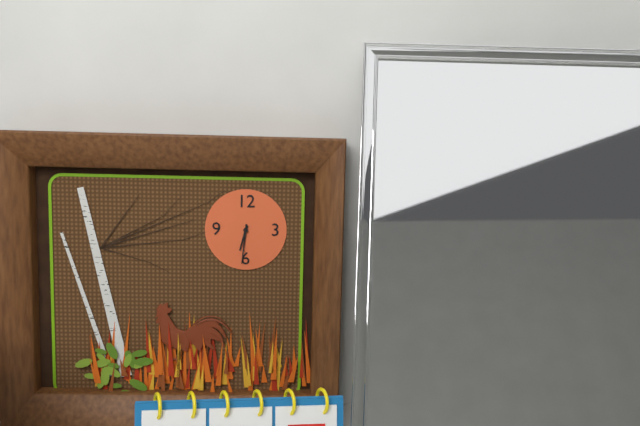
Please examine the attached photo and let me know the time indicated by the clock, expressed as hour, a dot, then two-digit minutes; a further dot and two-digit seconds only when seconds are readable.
6.31
